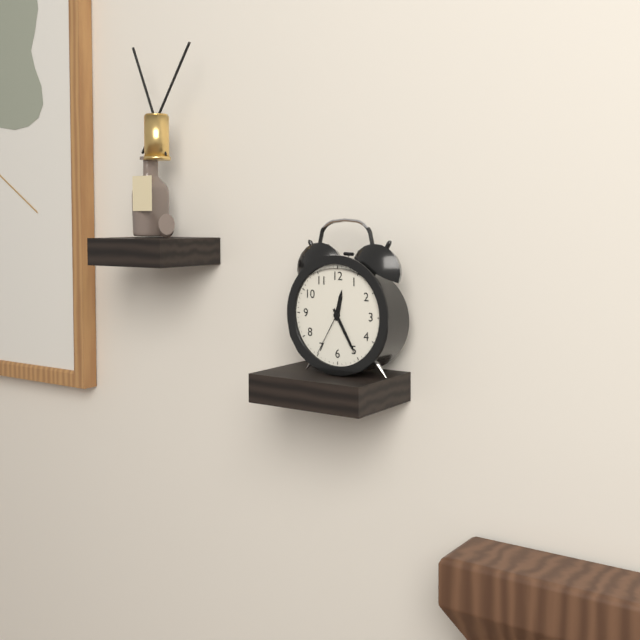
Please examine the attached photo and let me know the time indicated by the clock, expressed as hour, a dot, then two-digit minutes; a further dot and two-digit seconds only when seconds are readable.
12.25.35
